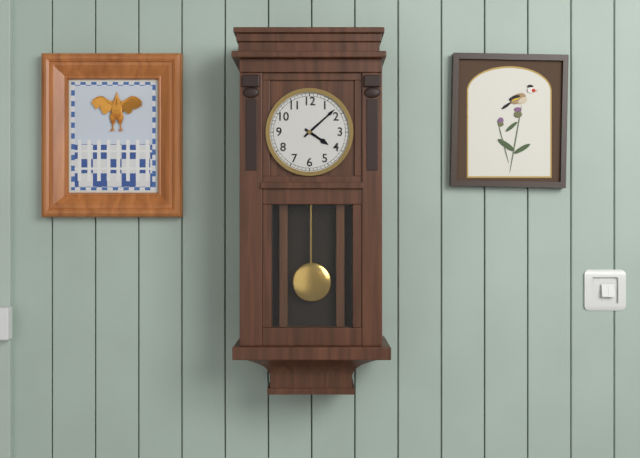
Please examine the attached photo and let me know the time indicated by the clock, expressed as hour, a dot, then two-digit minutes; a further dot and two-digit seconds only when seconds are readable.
4.08
